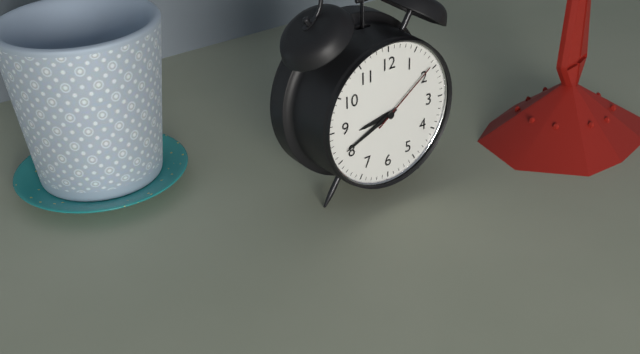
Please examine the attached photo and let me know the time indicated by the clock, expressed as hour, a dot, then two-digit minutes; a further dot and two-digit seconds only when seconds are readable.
8.41.09
